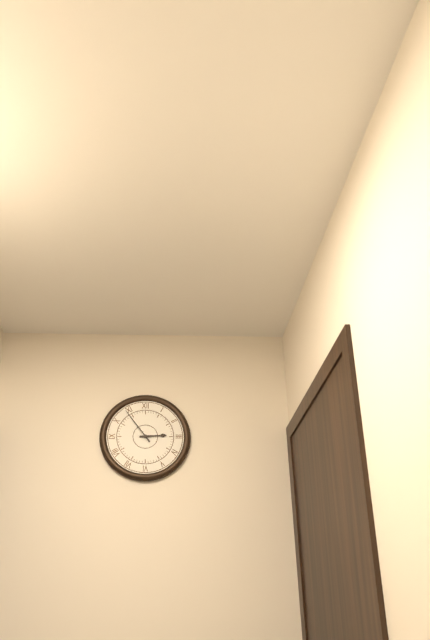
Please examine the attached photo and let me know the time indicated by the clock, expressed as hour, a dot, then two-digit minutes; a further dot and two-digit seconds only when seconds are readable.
2.54
